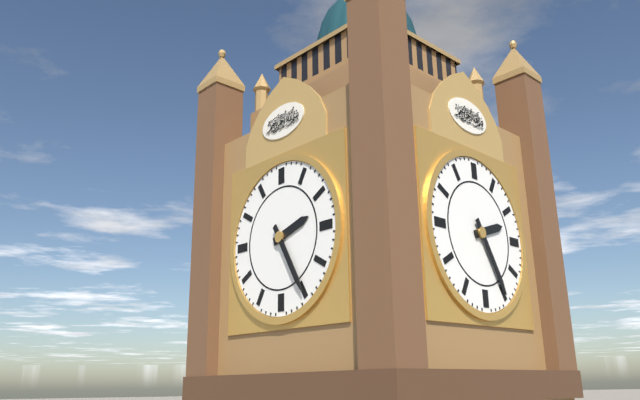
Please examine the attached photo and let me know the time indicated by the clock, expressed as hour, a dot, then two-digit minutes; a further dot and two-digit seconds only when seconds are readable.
2.25
